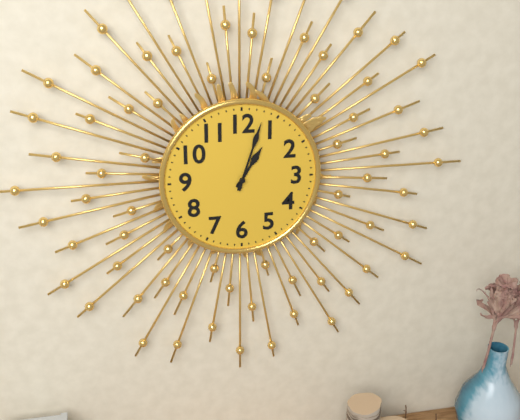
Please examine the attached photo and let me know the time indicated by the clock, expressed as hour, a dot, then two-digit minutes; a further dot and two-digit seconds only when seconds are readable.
1.03
